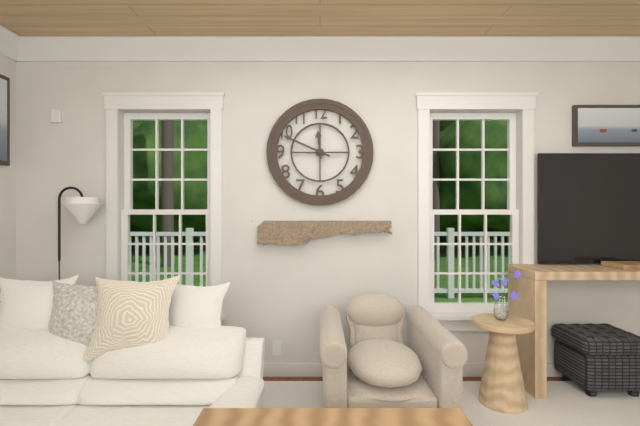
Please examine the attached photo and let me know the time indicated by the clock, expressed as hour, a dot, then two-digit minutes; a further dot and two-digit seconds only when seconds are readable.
11.49
